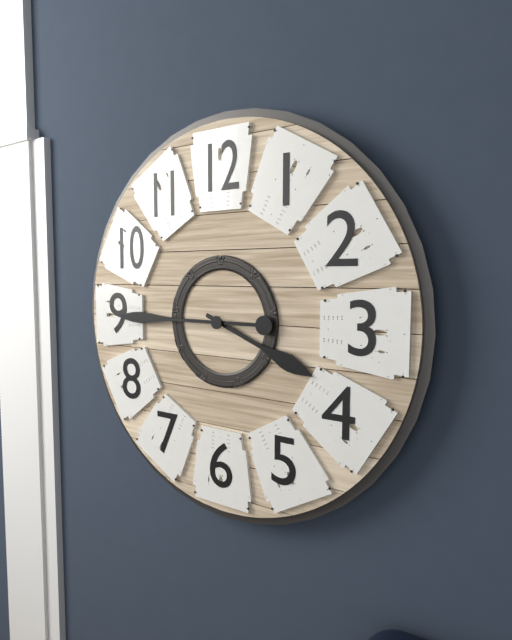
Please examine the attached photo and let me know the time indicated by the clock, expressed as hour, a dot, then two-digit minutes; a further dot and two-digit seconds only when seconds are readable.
3.45
